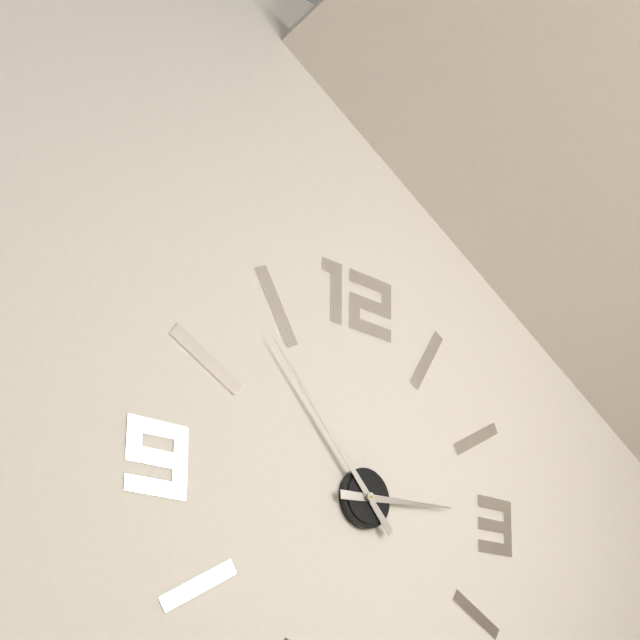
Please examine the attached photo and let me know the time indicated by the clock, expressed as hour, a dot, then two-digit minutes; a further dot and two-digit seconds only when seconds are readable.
2.53
